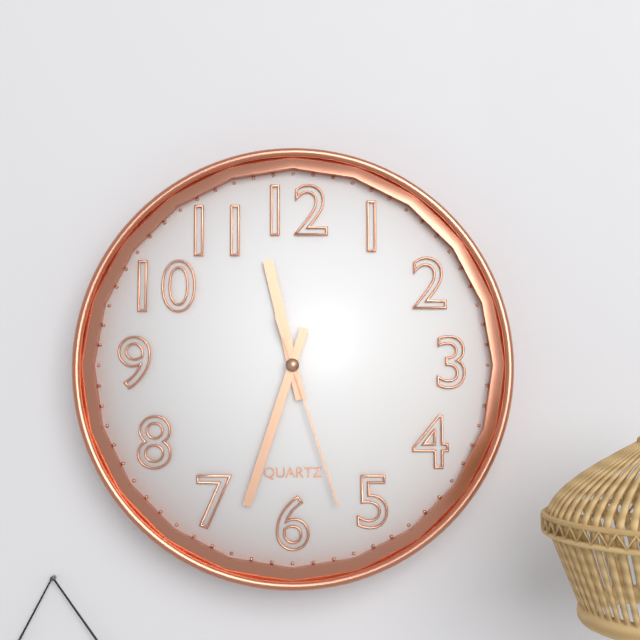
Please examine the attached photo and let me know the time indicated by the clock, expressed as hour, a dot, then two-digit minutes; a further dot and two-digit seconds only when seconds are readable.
11.33.27
